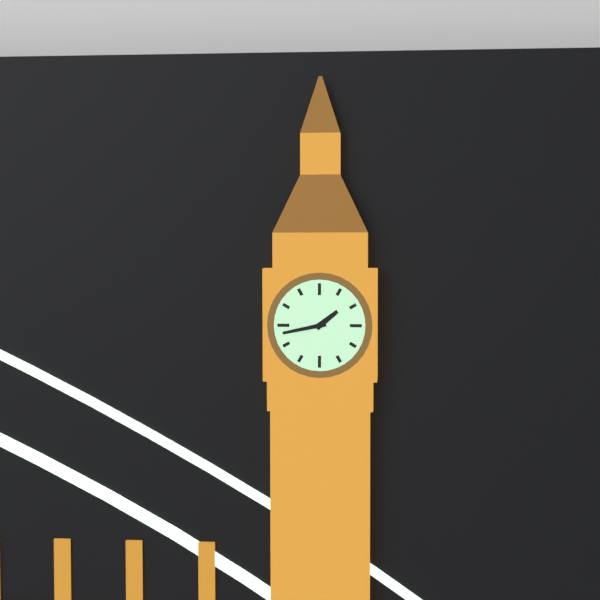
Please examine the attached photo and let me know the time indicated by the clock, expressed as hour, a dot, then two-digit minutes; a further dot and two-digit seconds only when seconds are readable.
1.43
